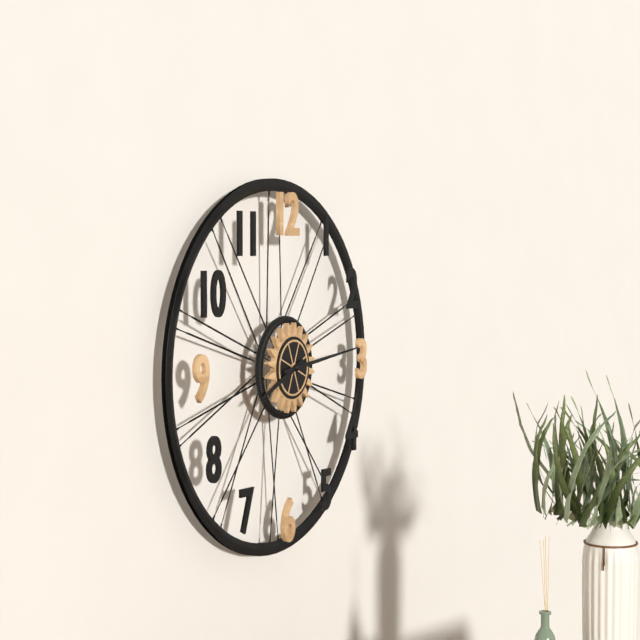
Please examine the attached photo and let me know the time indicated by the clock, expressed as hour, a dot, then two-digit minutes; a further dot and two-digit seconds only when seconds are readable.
8.14
